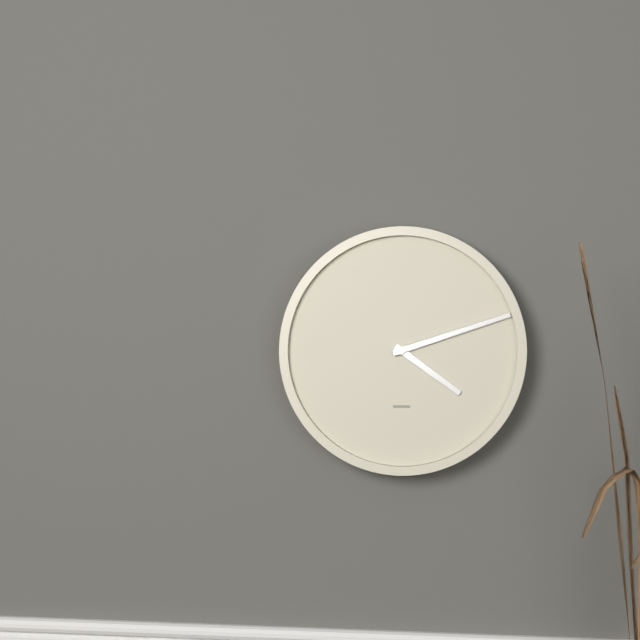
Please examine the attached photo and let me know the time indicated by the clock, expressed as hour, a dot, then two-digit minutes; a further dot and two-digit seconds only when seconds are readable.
4.12
